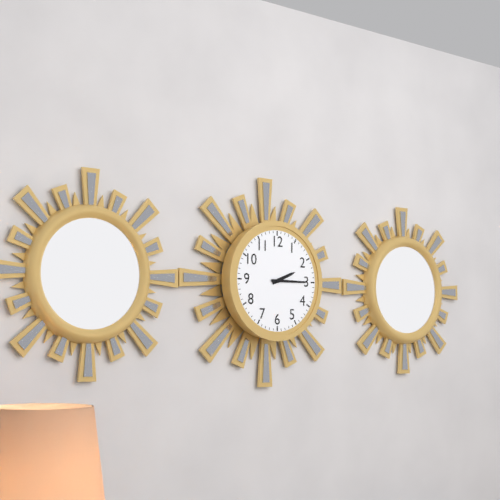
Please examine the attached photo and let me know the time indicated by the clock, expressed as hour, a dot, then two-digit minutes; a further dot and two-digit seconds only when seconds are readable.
2.15
